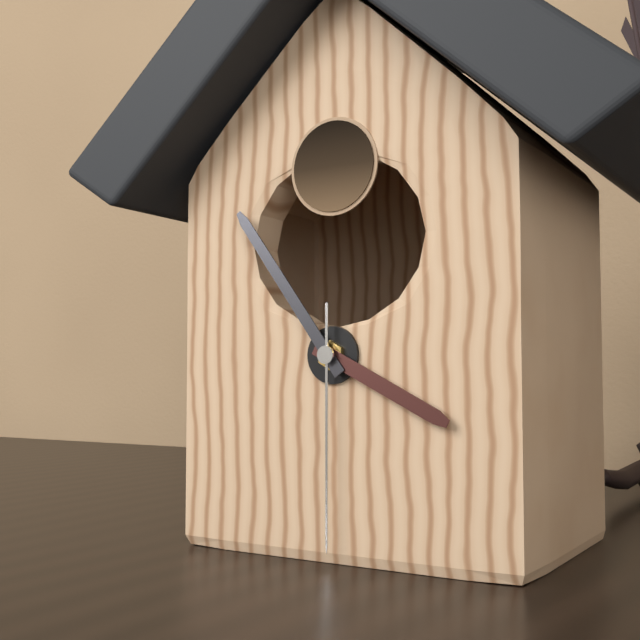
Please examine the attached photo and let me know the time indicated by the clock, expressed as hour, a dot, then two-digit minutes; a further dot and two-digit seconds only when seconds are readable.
3.54.30
